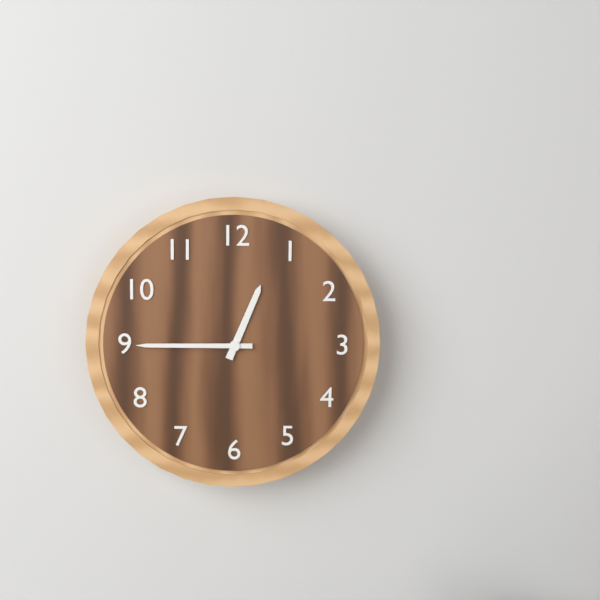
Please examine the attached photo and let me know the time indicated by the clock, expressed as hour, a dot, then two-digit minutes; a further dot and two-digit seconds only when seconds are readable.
12.45
